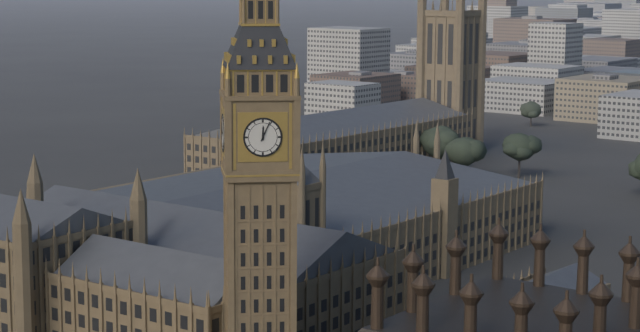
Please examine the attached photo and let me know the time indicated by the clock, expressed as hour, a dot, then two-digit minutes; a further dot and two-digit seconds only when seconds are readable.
12.04
